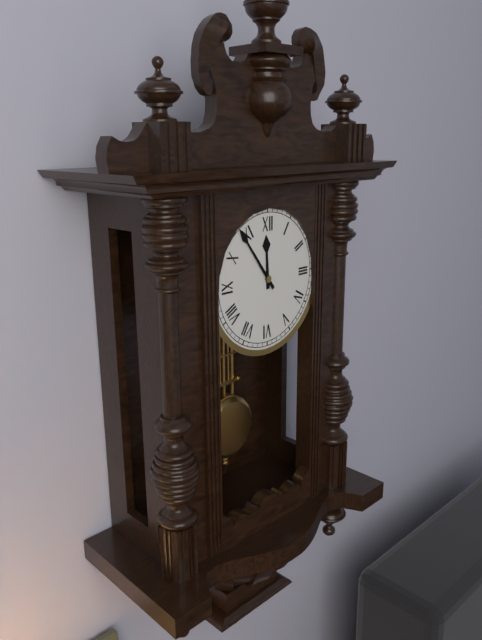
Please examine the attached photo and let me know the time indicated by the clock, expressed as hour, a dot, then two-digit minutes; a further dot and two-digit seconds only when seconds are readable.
11.54
